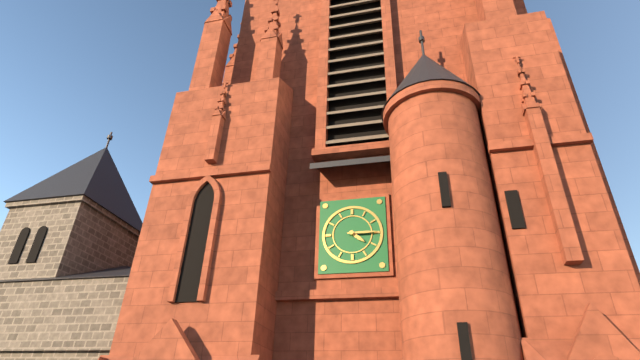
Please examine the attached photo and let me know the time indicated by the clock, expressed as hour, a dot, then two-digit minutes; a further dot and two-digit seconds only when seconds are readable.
4.15
